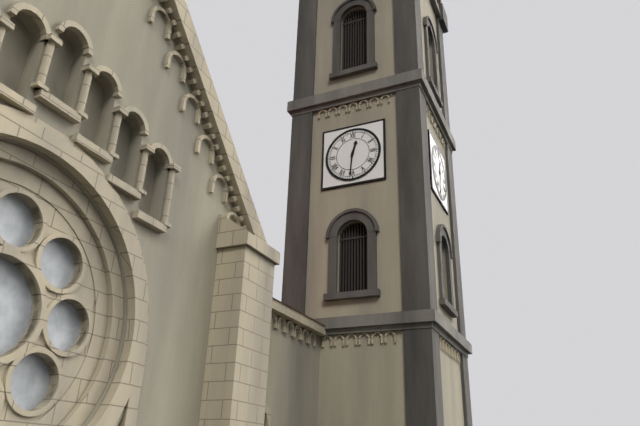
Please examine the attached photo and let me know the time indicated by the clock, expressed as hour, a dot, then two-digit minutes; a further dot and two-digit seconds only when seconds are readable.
12.31
